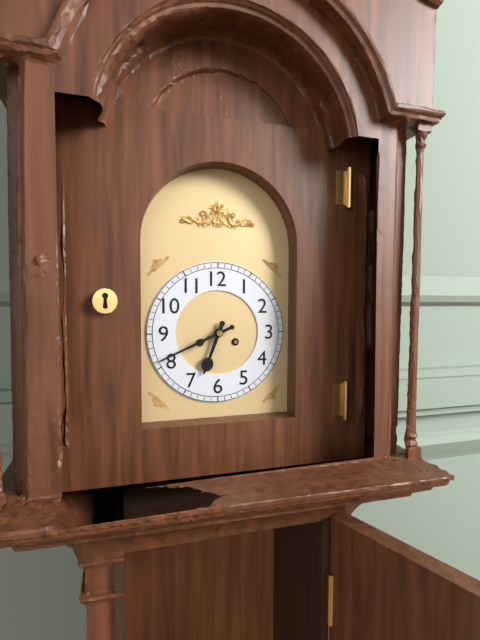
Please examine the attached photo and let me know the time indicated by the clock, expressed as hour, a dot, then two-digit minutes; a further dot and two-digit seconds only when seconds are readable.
6.41
